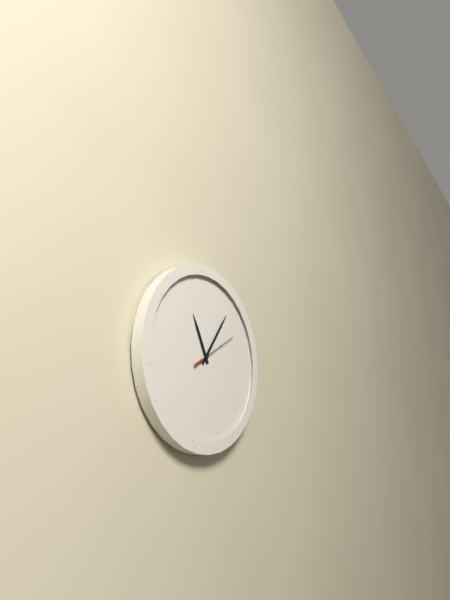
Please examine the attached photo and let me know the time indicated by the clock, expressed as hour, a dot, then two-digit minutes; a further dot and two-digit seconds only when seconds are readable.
11.06.10
